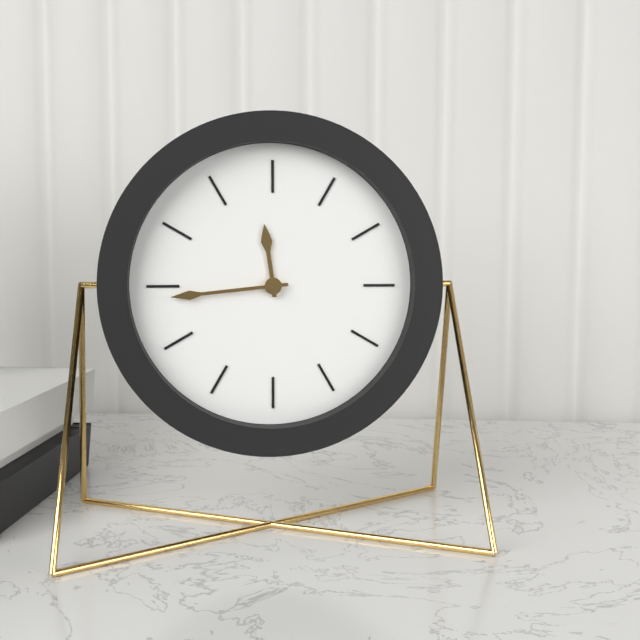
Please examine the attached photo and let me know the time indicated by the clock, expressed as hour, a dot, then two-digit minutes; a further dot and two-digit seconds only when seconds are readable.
11.44
